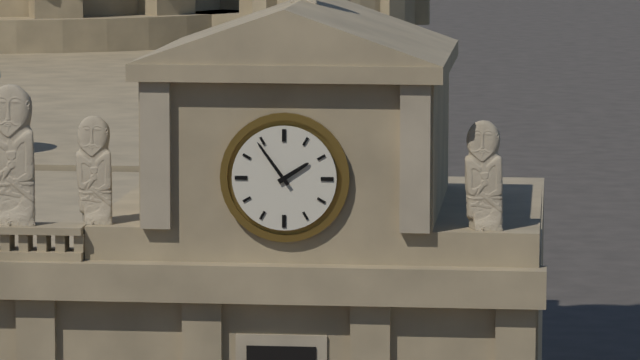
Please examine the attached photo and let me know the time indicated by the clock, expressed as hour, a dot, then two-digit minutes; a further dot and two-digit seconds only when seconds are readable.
1.54
